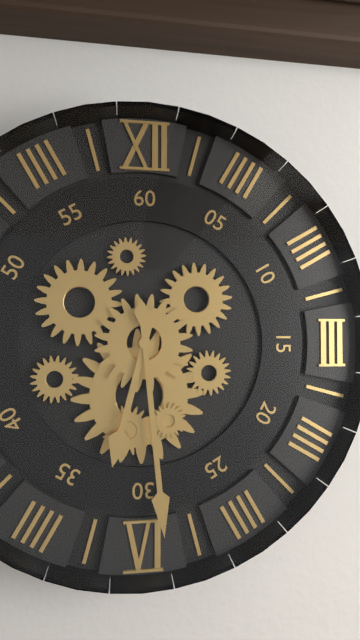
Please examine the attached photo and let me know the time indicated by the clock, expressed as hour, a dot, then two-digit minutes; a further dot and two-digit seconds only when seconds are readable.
6.29
